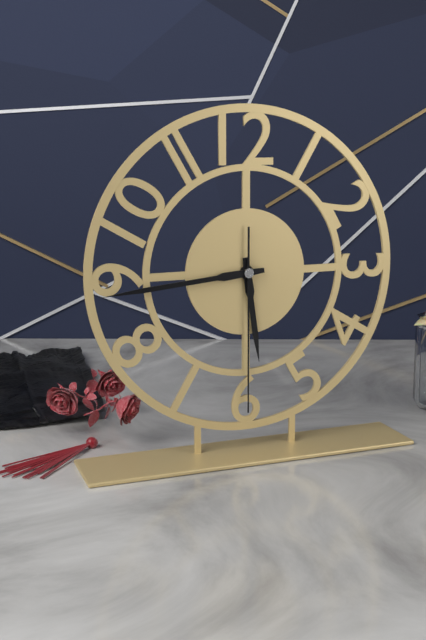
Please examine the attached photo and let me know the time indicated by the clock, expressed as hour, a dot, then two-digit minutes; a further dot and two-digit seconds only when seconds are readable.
5.44.30
